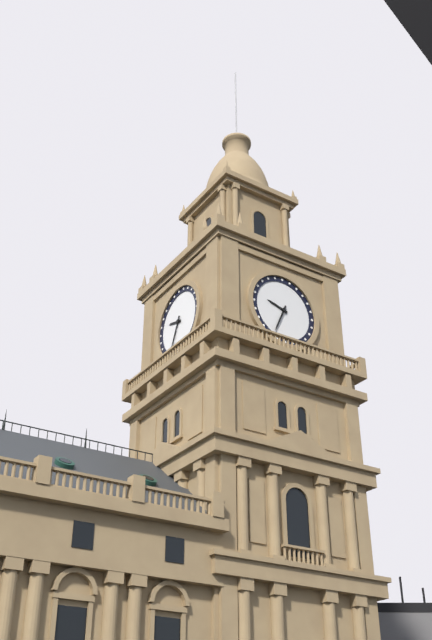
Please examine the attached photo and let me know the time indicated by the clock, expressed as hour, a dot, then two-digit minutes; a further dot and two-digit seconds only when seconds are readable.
9.34
